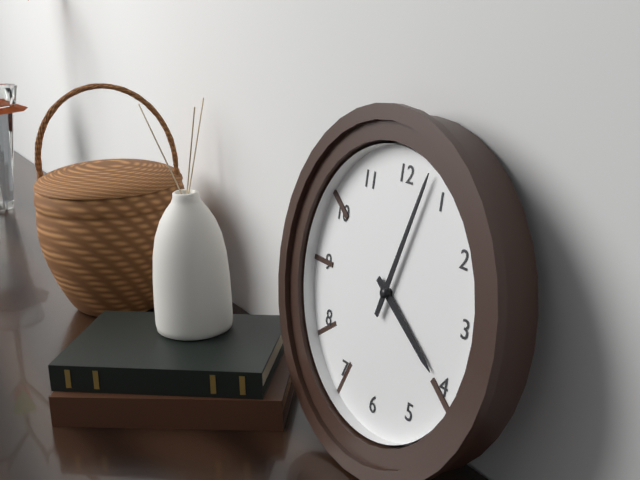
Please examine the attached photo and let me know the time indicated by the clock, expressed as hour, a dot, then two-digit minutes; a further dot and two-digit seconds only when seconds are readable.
4.03
